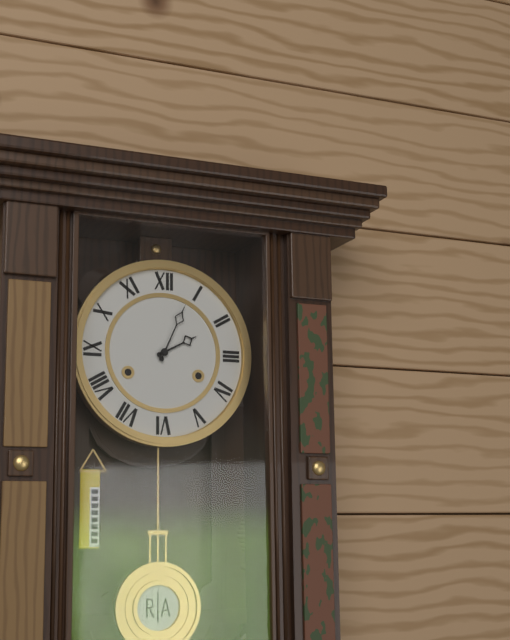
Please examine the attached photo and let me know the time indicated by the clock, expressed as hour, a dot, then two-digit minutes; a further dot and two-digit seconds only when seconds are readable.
2.04
